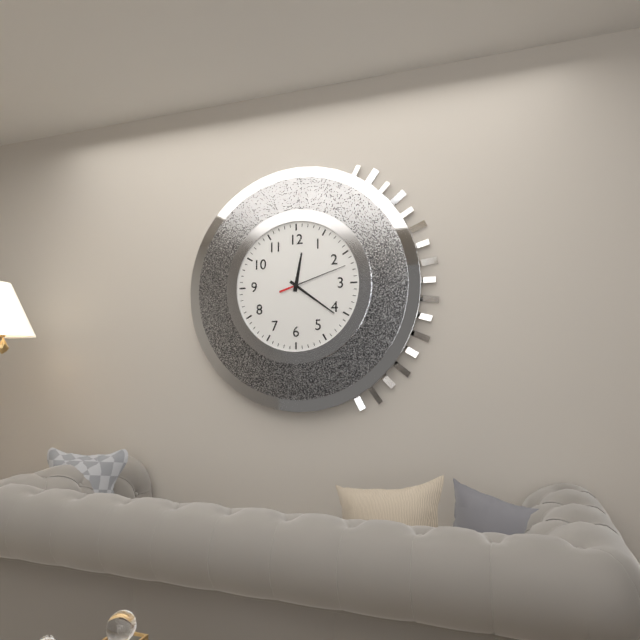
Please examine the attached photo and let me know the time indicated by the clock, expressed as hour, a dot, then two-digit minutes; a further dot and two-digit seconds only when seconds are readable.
12.21.12
